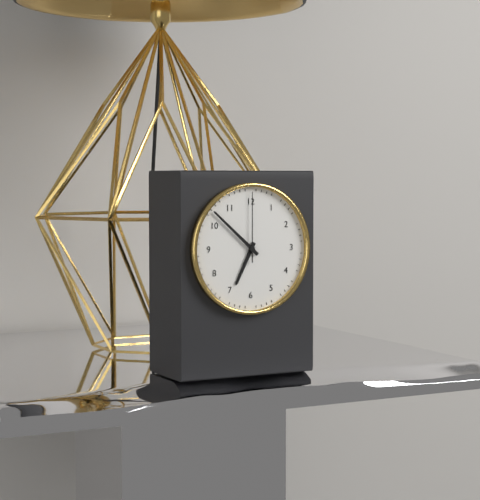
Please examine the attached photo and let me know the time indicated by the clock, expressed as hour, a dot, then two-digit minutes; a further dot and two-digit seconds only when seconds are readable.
6.52.00
